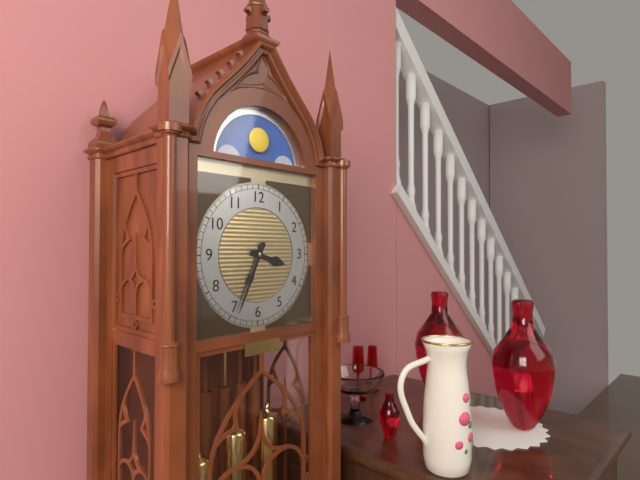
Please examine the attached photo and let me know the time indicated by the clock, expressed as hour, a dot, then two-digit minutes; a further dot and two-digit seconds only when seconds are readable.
3.34
